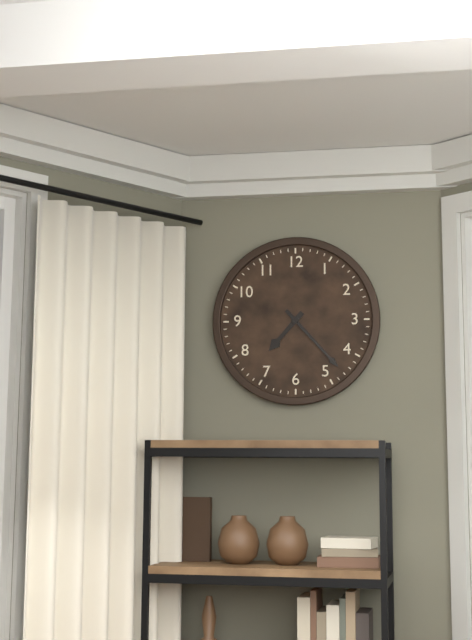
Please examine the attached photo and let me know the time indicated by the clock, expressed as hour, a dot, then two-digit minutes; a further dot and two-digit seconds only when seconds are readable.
7.23
